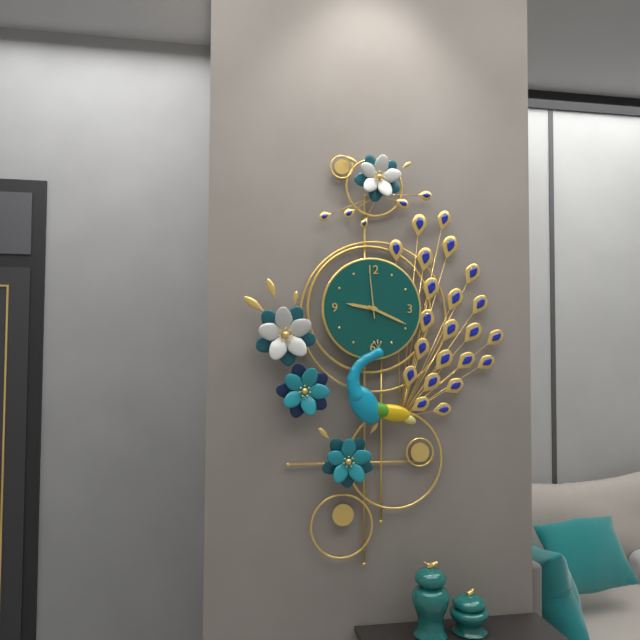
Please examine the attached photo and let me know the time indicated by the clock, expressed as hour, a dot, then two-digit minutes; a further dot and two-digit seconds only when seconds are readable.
9.19.59
